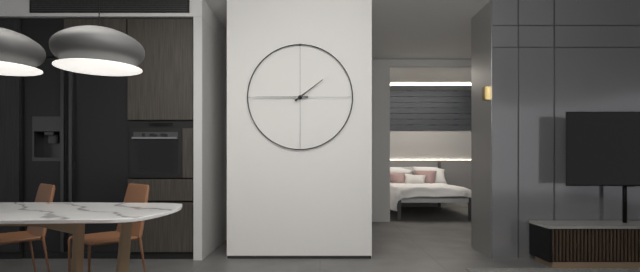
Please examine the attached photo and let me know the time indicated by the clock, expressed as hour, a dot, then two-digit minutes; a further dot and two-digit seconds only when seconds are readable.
1.45
